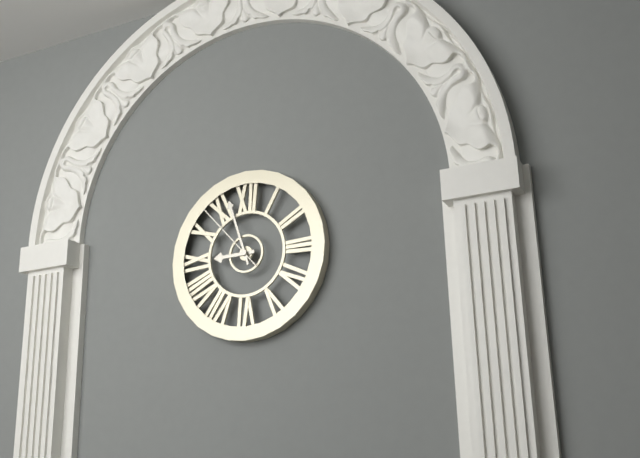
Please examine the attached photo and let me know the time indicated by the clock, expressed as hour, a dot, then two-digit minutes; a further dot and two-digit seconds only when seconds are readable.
8.57.53
